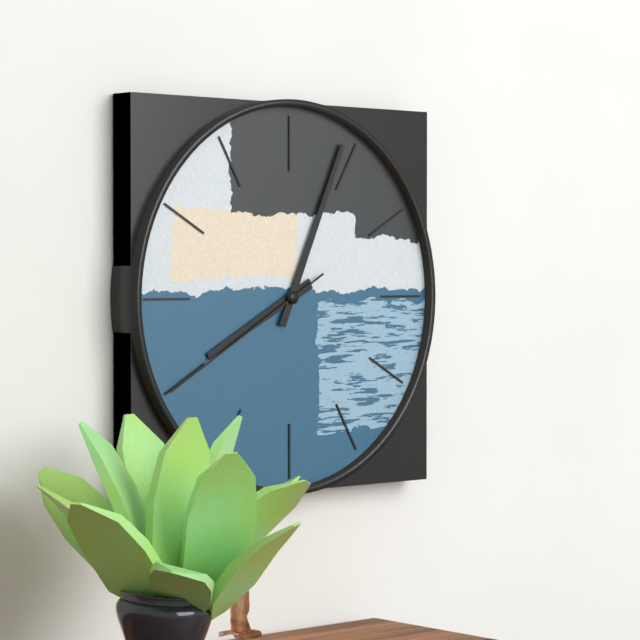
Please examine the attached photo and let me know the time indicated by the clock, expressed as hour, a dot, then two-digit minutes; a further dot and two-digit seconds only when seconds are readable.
8.04.40
